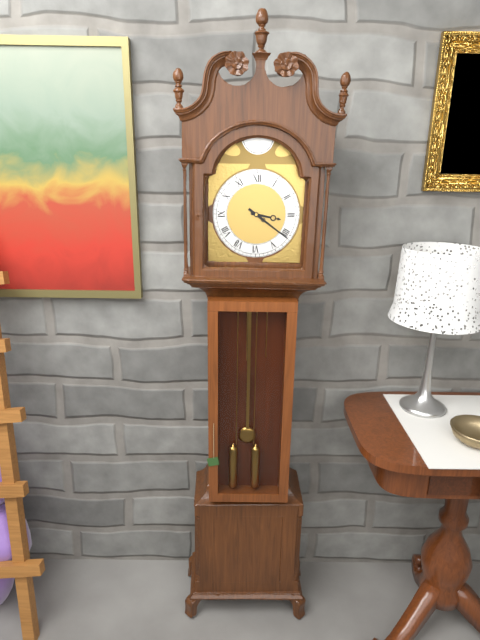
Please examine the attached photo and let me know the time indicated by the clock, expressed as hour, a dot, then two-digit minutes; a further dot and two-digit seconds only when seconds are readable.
3.21
